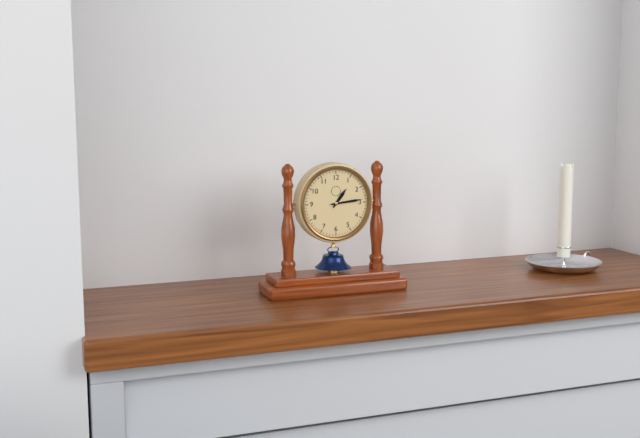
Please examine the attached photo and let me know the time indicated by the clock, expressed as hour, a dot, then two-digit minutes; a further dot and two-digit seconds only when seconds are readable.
1.14
